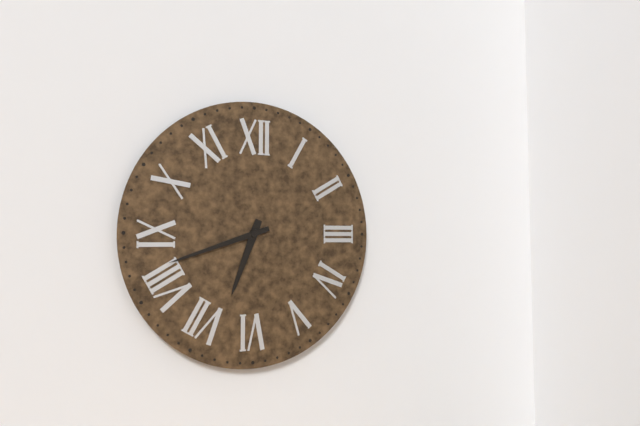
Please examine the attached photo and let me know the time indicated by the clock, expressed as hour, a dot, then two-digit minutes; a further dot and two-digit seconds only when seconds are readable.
6.42
